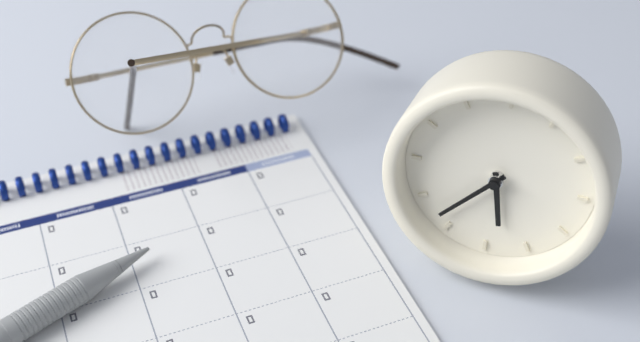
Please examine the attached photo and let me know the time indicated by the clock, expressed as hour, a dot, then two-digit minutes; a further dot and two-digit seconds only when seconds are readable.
5.37
